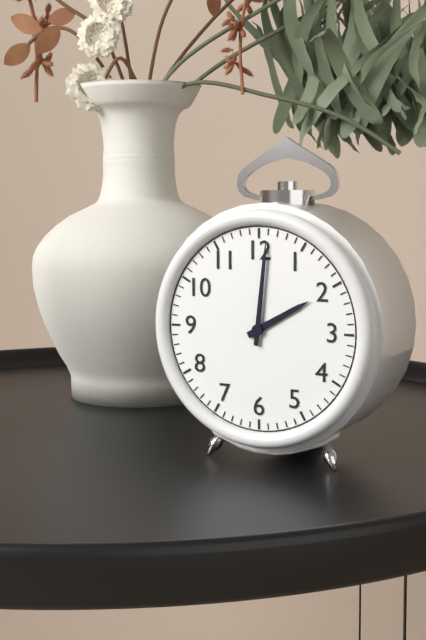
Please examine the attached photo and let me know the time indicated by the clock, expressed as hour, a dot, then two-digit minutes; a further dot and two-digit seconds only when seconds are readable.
2.01
